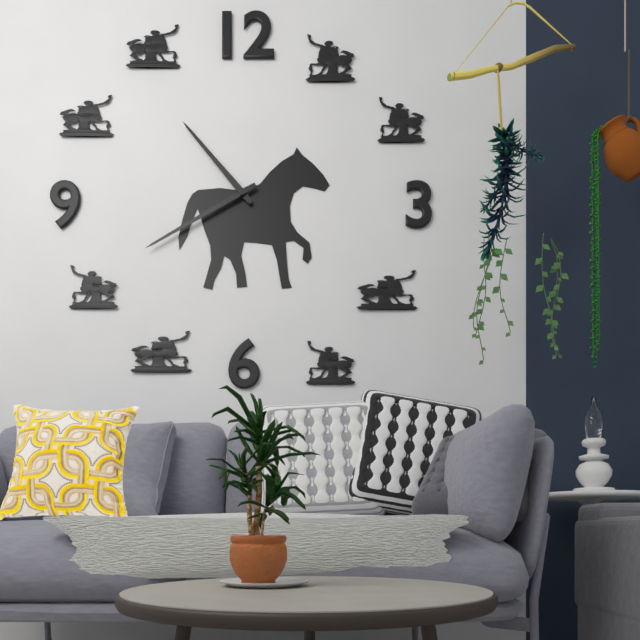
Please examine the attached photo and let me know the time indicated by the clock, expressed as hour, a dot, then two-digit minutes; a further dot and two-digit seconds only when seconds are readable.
10.40
